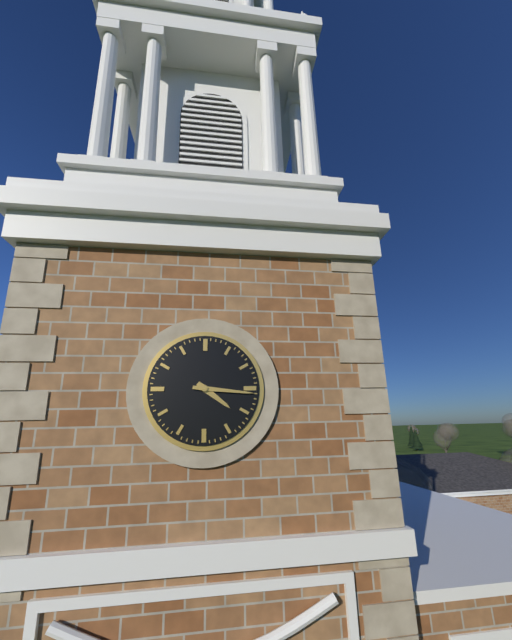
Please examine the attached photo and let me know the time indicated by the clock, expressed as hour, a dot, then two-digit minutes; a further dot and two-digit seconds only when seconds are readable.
4.16
